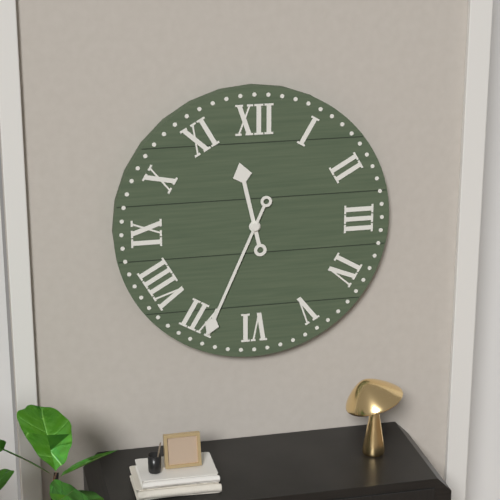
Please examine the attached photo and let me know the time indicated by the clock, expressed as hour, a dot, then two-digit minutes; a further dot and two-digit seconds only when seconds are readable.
11.34
